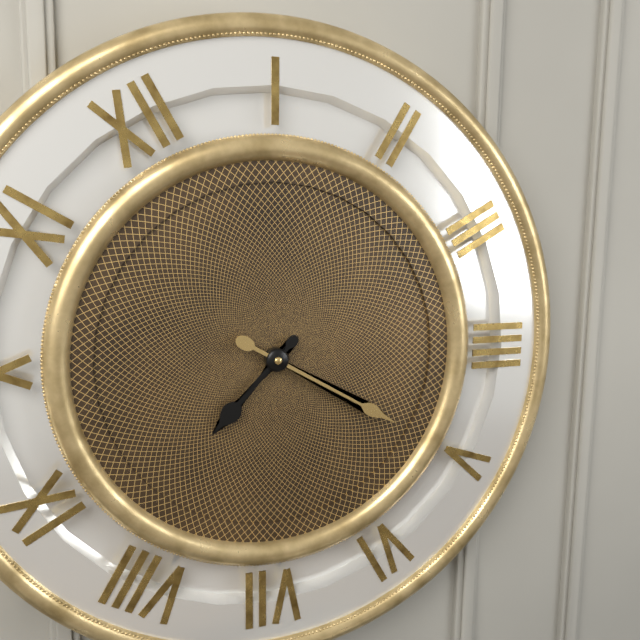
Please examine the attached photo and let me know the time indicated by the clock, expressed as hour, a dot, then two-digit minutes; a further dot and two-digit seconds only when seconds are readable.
8.25
